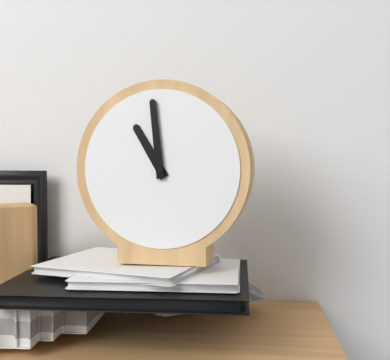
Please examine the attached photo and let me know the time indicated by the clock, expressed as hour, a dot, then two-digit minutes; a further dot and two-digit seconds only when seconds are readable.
10.59
